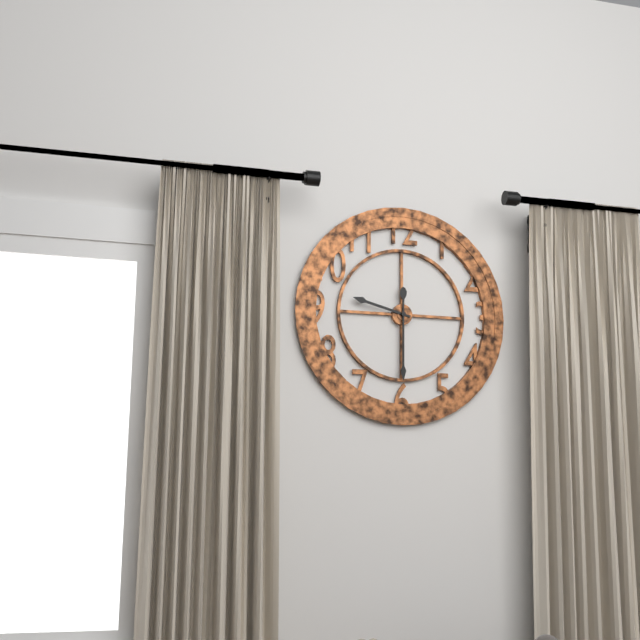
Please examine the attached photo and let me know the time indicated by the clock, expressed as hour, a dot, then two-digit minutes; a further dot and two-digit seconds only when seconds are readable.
9.30
